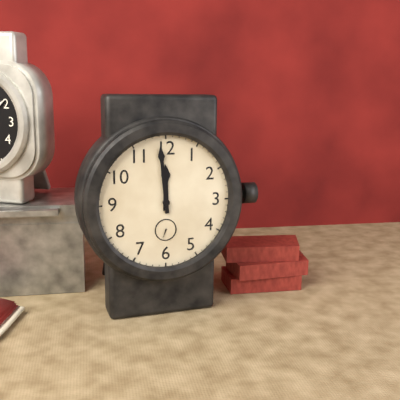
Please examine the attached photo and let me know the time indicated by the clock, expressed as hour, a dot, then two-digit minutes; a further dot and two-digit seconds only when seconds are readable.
11.59
